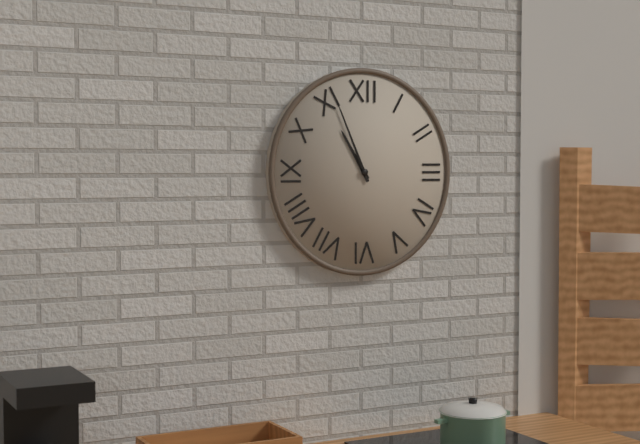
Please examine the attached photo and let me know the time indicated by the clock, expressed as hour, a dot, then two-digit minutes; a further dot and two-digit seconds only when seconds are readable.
10.56
